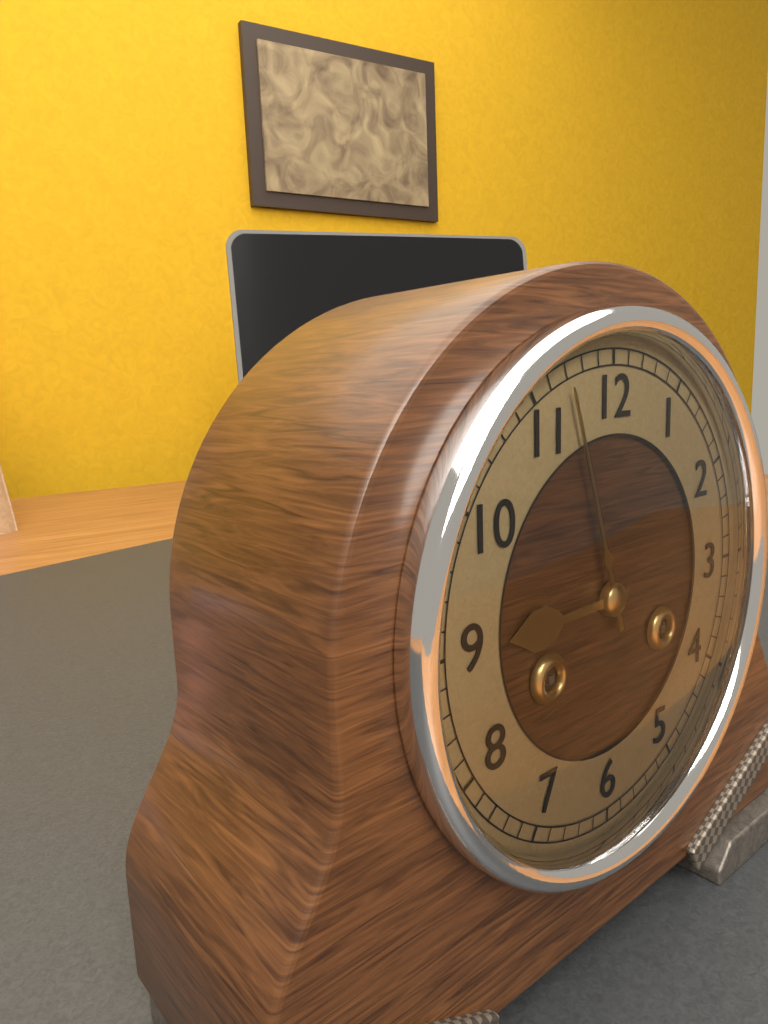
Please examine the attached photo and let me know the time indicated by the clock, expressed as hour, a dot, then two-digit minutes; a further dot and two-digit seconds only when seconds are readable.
8.57
